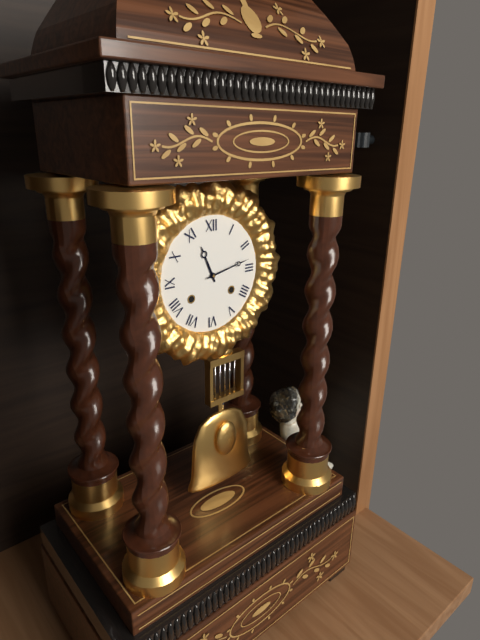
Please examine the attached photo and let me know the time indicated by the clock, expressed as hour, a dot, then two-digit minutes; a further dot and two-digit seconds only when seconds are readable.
11.13
